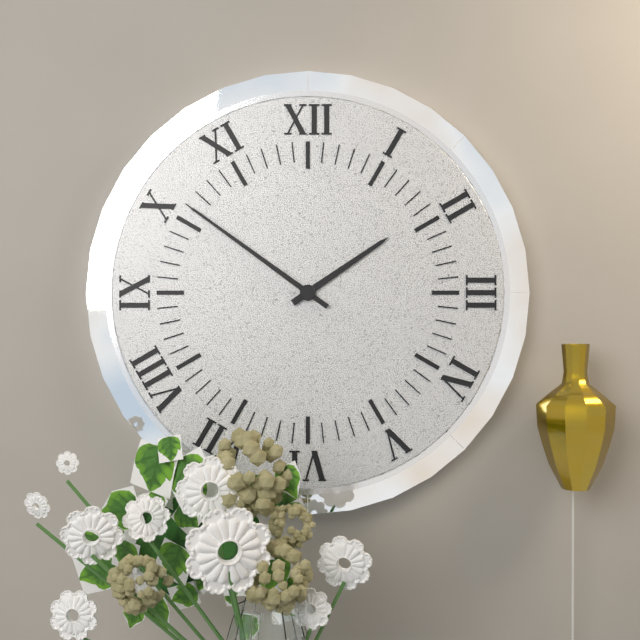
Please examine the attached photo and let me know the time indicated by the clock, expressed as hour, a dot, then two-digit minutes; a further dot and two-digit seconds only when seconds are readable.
1.51
